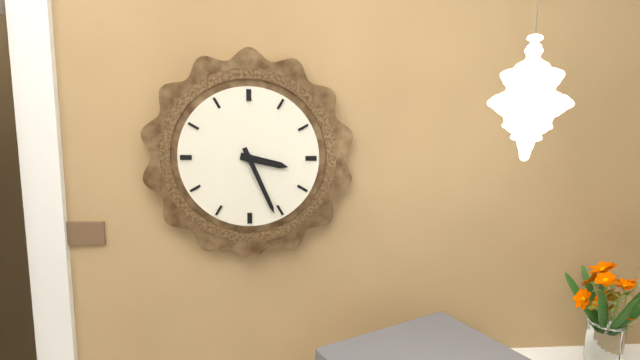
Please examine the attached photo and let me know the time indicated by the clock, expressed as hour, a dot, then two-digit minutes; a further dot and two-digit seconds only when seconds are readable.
3.26
